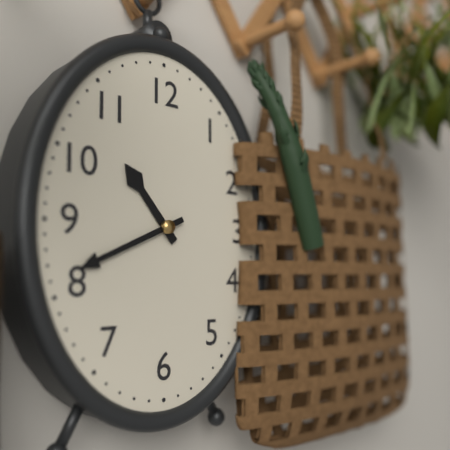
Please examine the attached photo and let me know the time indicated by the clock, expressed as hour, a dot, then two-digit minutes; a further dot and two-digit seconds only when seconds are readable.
10.41
